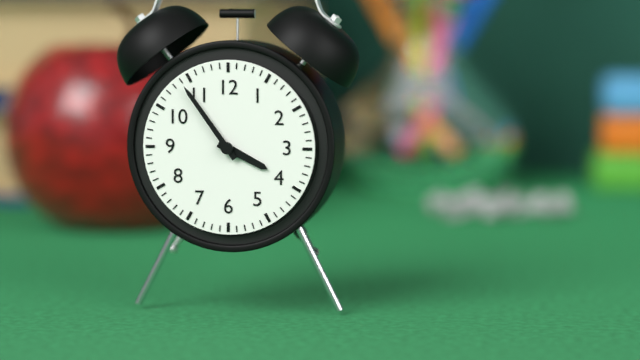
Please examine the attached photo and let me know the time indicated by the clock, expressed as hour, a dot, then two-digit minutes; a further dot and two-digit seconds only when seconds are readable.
3.54
